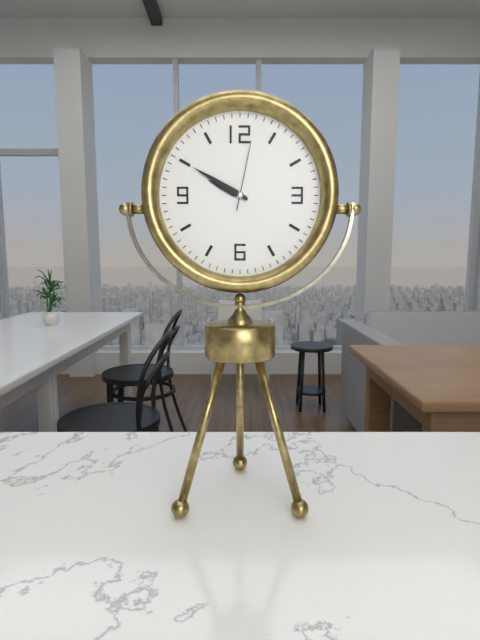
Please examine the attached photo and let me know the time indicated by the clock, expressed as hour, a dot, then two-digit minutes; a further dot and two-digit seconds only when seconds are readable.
9.50.02
